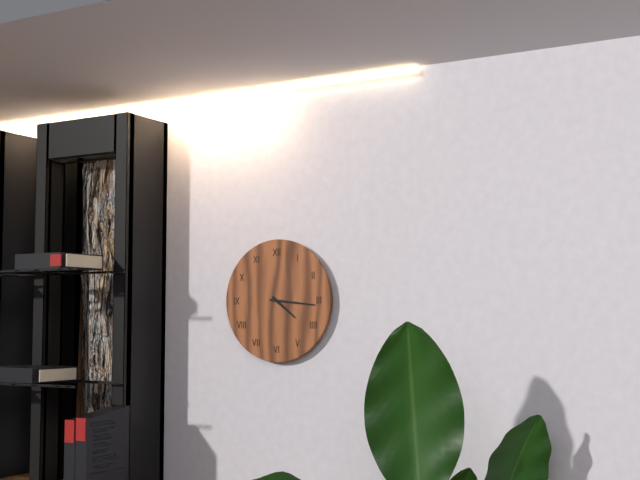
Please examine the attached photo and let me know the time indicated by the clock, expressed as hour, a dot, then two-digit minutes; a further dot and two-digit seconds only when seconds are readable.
4.16
